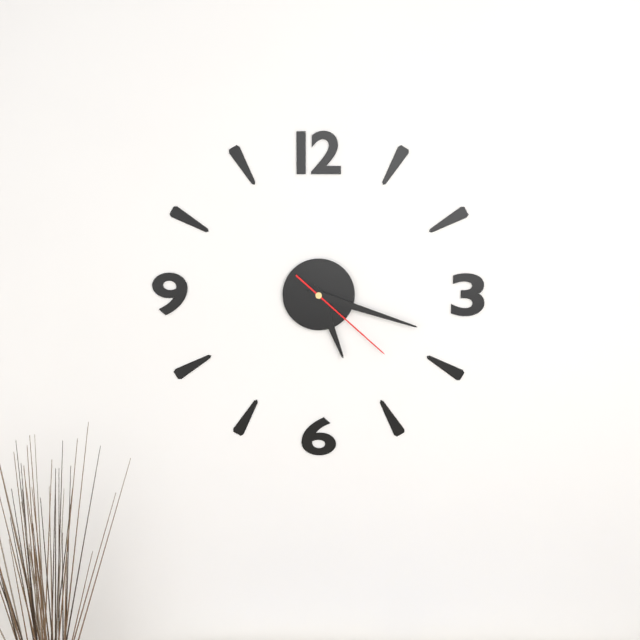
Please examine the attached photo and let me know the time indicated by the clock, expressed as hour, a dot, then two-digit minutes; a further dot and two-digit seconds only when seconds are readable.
5.18.22
